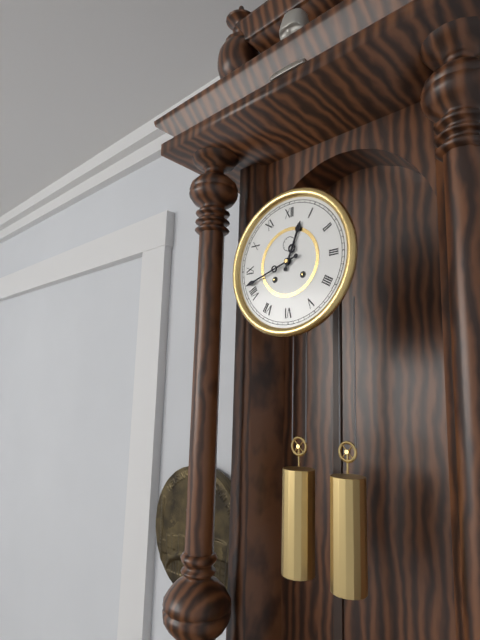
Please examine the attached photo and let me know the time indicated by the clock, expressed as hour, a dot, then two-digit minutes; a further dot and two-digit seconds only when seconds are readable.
12.42
